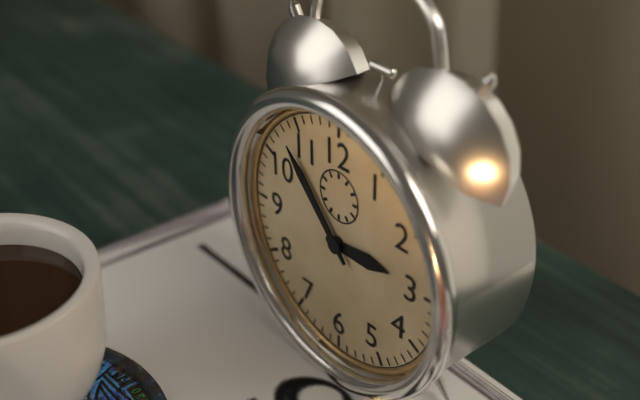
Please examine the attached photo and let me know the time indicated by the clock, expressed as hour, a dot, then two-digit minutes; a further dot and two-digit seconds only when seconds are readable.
2.53
